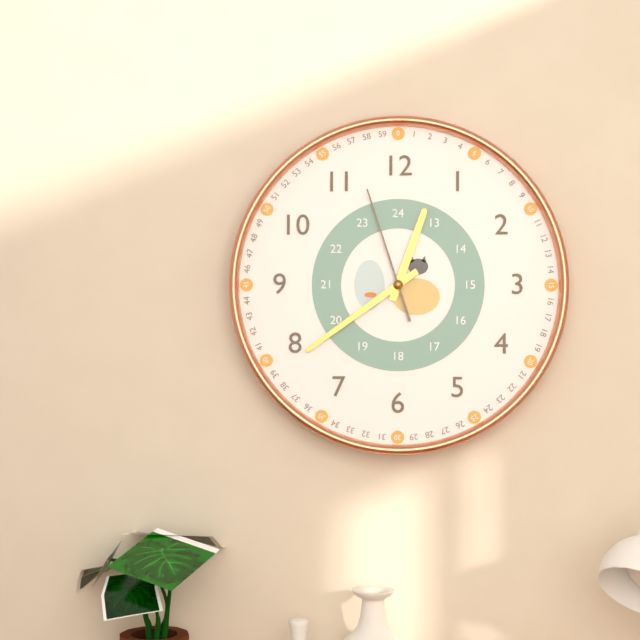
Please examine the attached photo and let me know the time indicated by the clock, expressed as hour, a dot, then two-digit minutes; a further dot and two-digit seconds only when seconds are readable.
12.39.57
